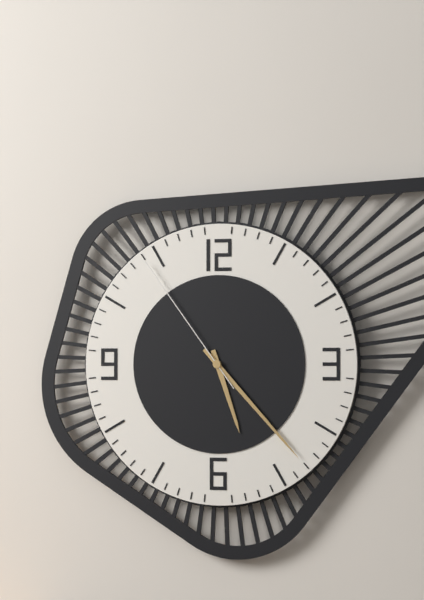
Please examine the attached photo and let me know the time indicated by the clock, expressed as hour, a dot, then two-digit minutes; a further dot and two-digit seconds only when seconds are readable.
5.23.54
